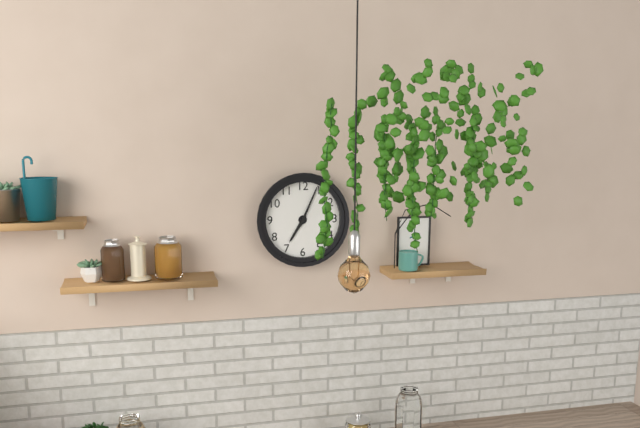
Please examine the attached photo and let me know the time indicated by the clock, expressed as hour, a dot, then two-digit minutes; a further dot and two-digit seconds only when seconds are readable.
7.04
